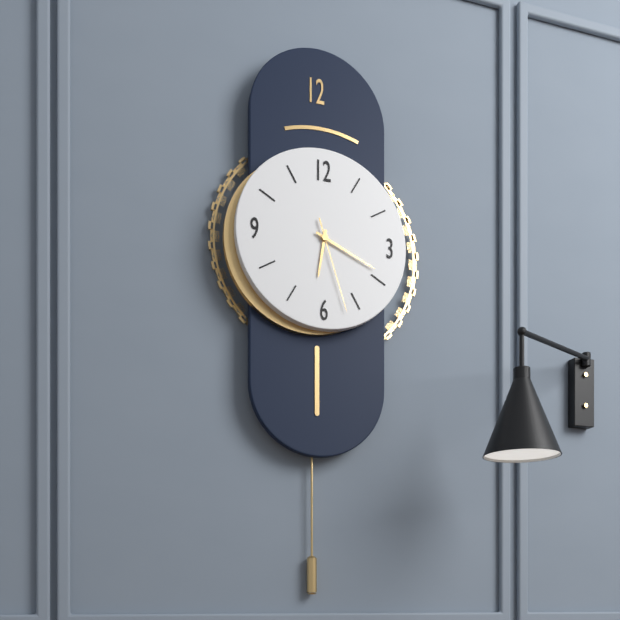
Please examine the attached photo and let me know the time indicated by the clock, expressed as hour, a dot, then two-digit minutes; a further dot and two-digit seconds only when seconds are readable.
6.19.27
